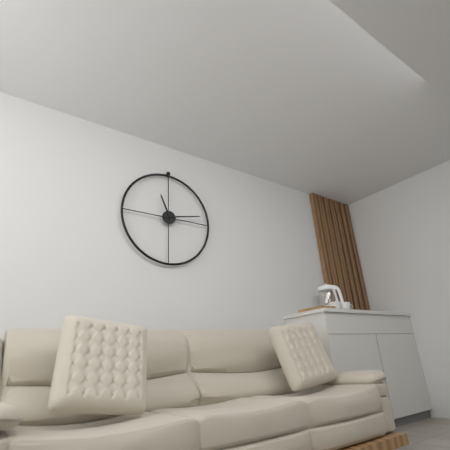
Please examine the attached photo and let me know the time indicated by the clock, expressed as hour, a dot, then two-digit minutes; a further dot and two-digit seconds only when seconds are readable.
11.13
